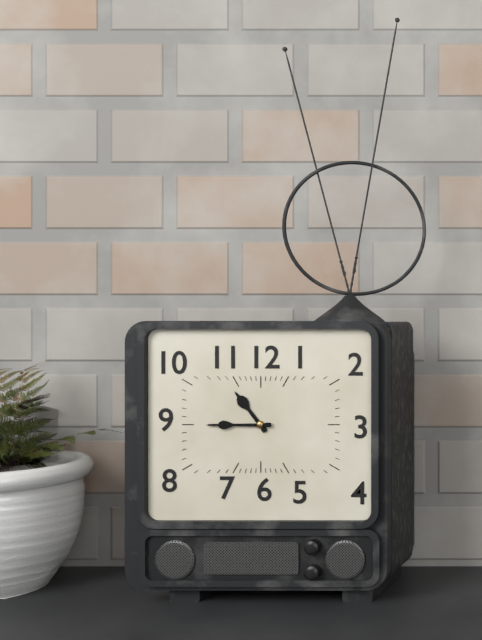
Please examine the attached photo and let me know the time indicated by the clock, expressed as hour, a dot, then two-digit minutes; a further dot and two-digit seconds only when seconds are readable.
10.45
